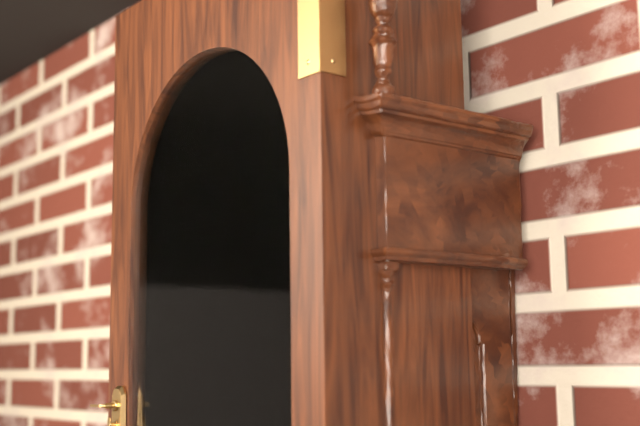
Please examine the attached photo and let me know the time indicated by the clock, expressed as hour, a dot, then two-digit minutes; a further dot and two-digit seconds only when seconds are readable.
10.39
